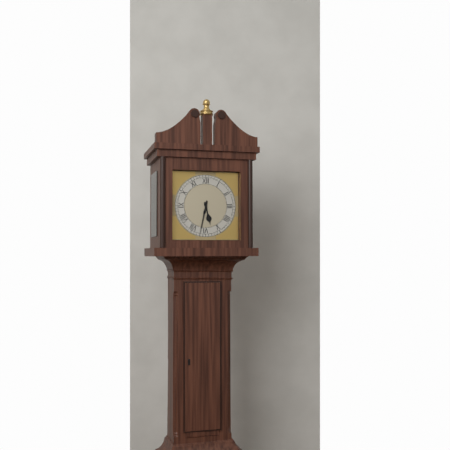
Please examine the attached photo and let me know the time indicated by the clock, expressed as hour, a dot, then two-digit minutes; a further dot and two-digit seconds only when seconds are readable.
5.32
